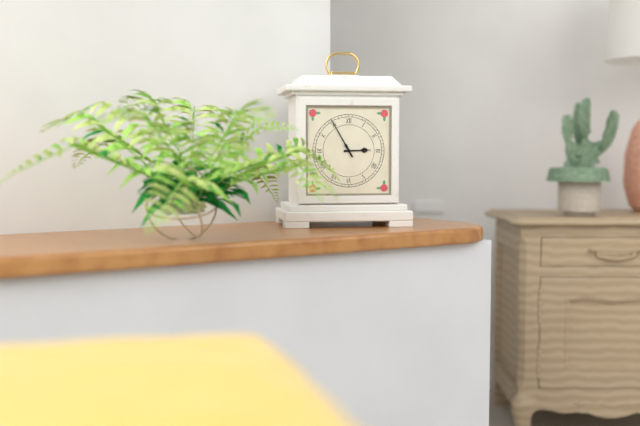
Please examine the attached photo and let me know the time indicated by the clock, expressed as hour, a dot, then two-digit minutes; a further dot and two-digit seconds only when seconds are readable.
2.55
